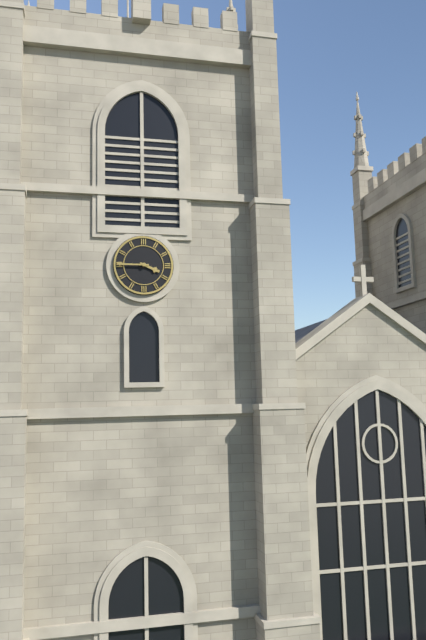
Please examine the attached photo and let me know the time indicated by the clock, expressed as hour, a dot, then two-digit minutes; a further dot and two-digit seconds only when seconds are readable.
3.45
